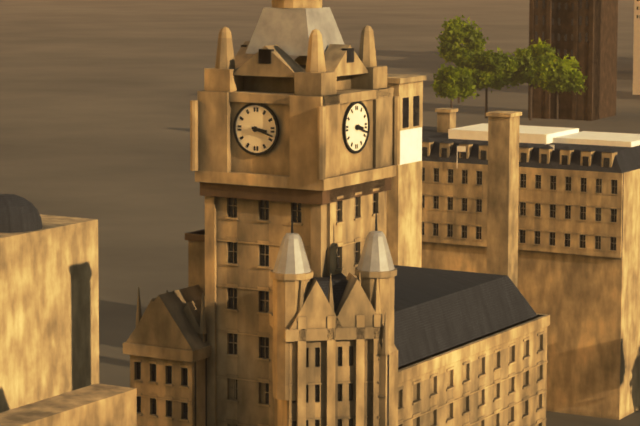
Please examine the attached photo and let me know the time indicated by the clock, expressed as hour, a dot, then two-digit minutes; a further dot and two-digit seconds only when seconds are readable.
3.18
